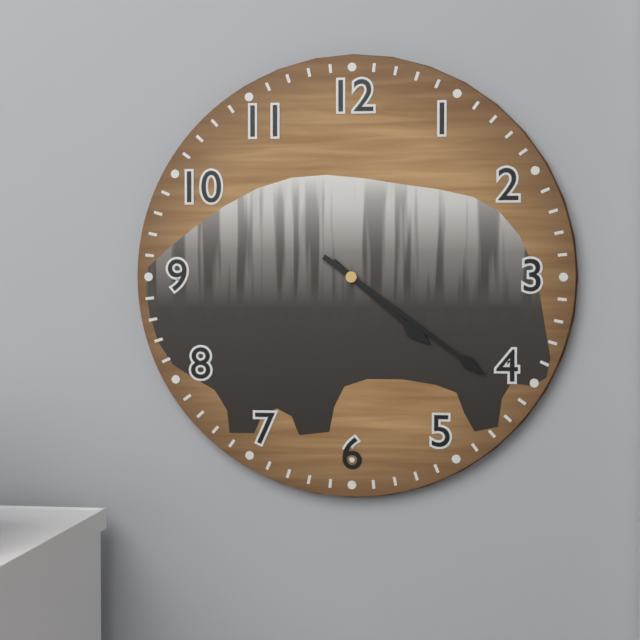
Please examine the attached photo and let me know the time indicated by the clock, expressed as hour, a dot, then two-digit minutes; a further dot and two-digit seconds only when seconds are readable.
4.21
